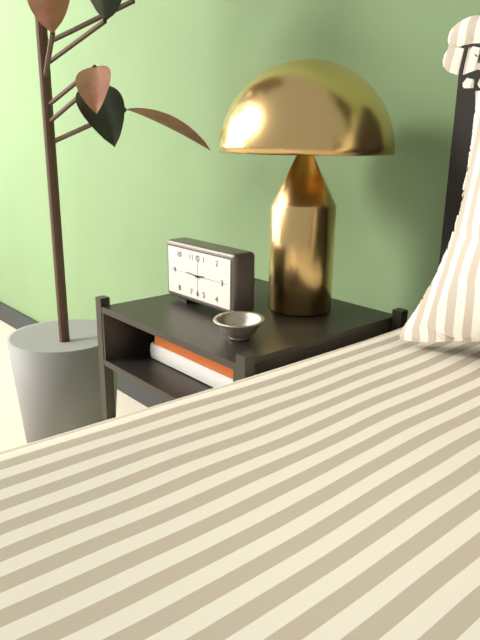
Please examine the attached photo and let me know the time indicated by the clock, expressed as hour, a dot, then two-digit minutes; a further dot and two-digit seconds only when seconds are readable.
2.46
